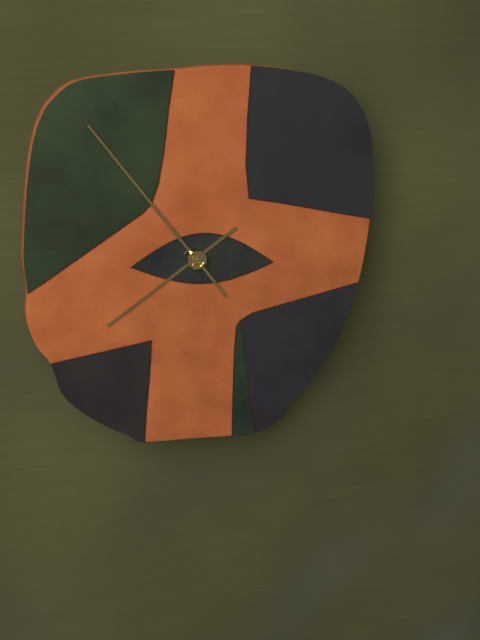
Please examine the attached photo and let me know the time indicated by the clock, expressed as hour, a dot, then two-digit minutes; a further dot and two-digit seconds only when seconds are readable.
7.54
